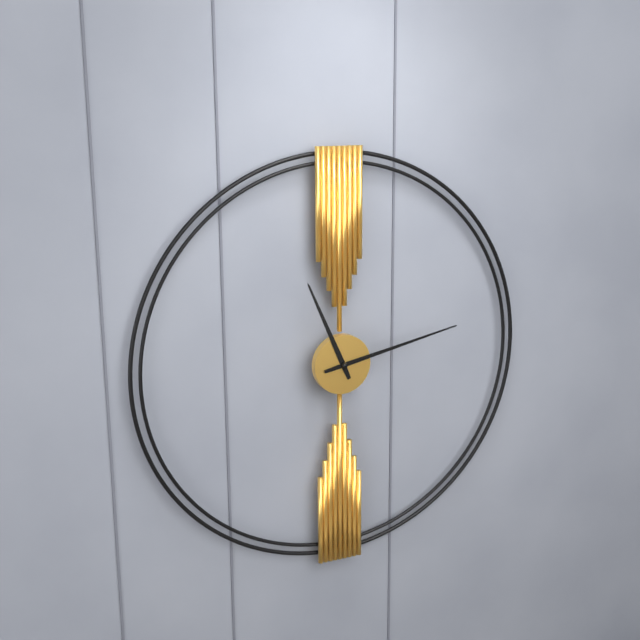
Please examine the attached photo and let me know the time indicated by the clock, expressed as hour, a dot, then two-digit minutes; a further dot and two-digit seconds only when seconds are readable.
11.13
